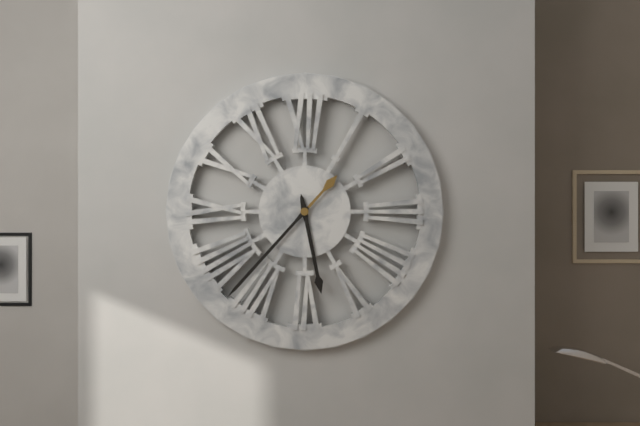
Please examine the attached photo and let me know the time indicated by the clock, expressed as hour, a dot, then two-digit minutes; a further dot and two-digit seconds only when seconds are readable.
5.37
